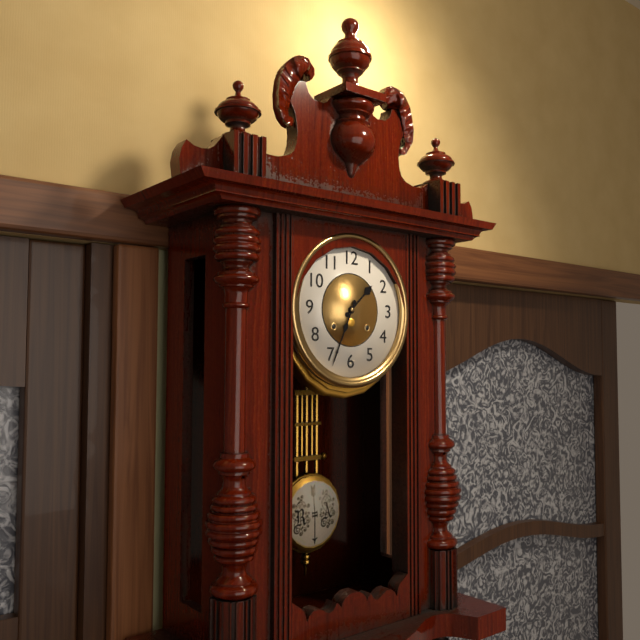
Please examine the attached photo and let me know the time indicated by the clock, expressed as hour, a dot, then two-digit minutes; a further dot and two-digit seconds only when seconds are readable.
1.34
